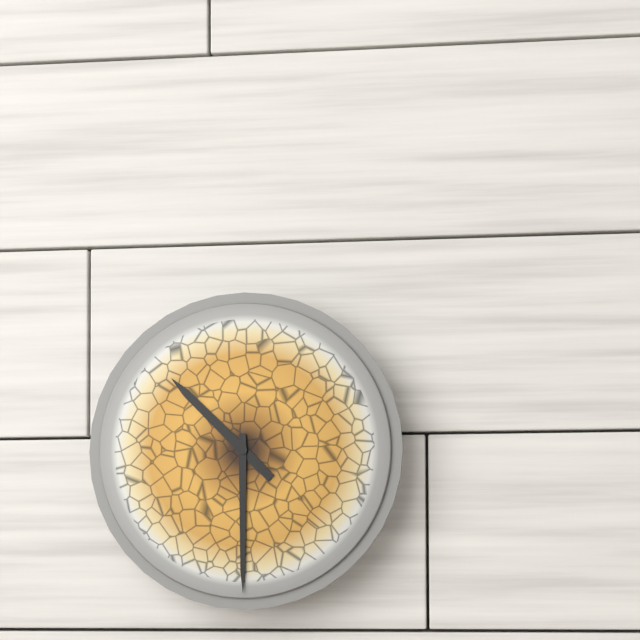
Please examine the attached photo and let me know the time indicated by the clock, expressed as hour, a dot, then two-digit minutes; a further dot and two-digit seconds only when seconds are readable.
10.30
